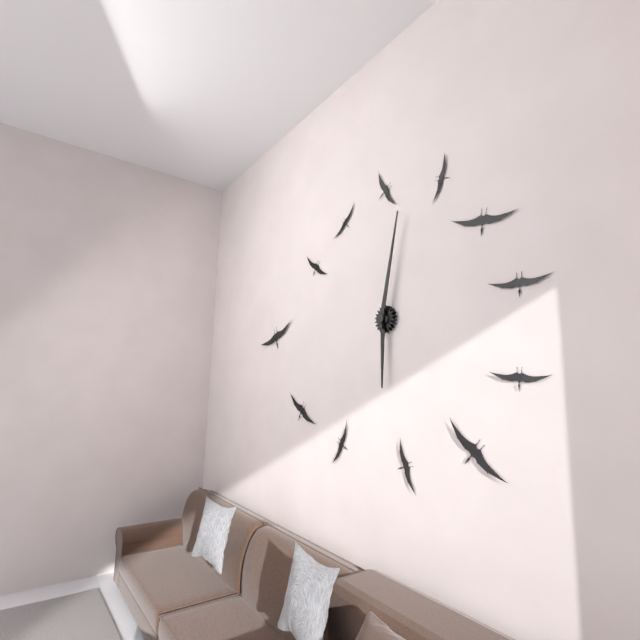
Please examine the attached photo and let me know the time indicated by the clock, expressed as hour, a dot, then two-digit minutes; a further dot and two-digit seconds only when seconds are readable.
6.02
